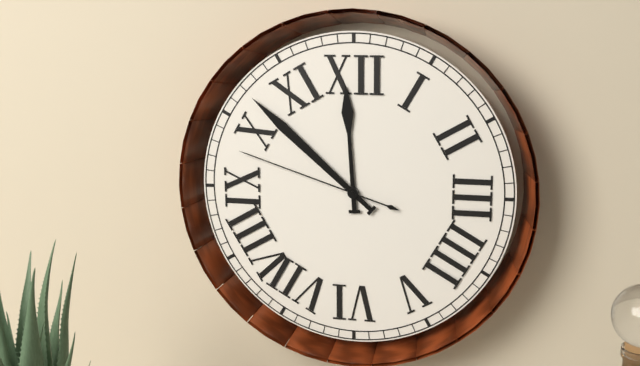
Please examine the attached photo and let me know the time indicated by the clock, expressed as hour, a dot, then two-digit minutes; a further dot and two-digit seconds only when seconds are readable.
11.52.48
